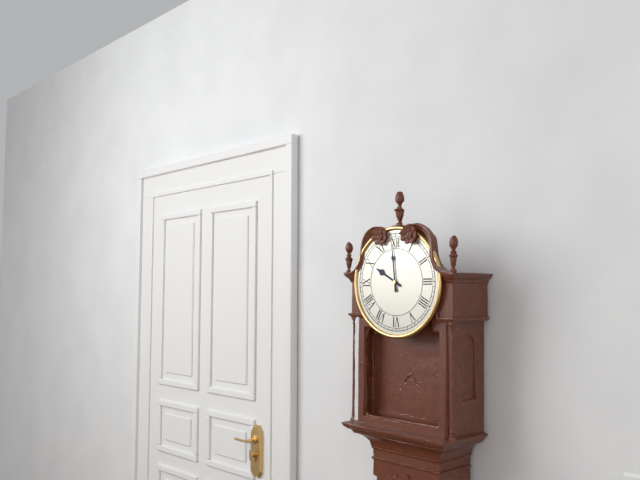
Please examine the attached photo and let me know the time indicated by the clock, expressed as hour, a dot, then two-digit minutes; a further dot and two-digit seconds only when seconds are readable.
9.59
